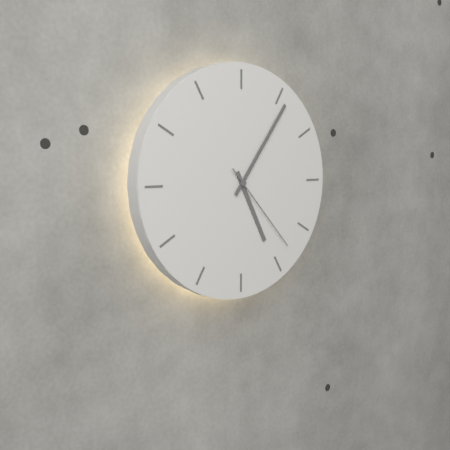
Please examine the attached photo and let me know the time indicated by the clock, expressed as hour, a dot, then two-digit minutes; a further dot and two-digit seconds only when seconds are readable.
5.06.23
